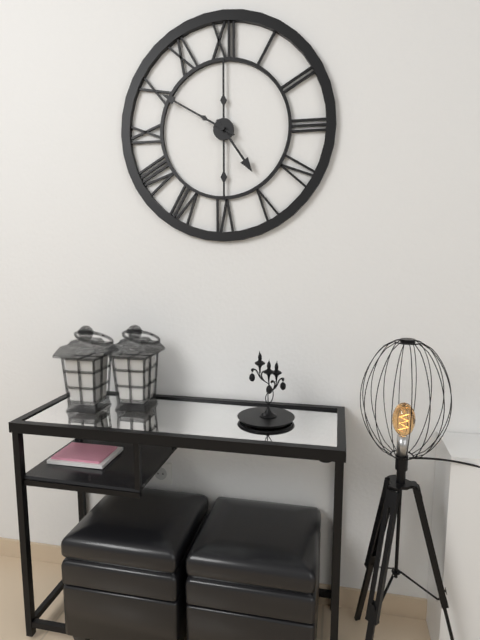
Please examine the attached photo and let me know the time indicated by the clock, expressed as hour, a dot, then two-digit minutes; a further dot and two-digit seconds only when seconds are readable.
4.50
